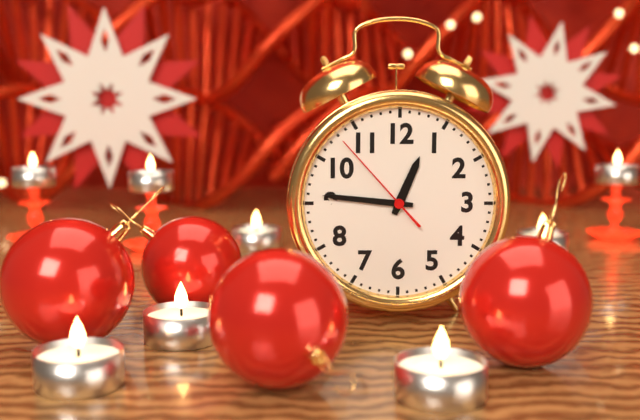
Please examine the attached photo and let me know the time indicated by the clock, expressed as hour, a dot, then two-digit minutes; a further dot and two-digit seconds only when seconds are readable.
12.46.53
